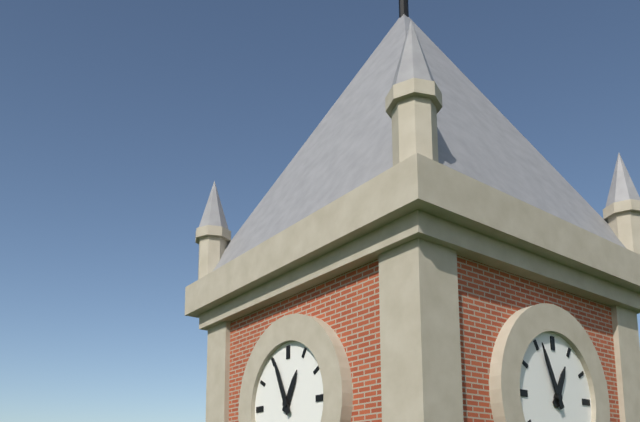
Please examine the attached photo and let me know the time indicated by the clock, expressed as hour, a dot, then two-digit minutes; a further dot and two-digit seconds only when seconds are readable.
12.56
